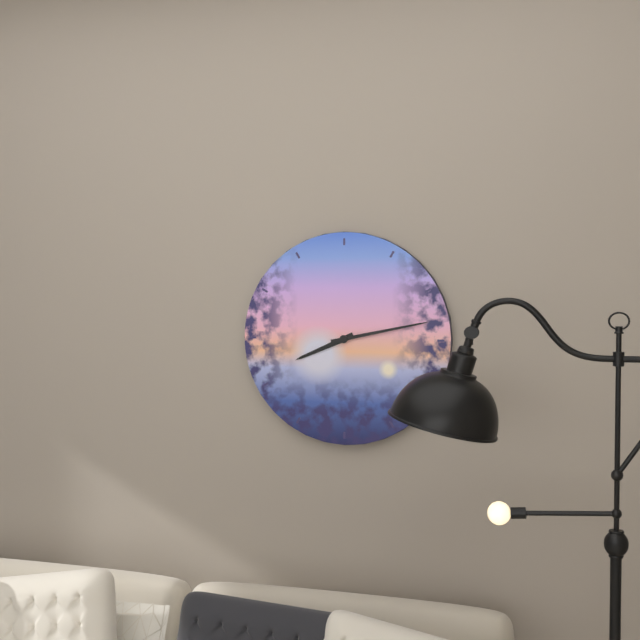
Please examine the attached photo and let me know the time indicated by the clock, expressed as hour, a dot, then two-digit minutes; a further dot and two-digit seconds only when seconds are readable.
8.13
